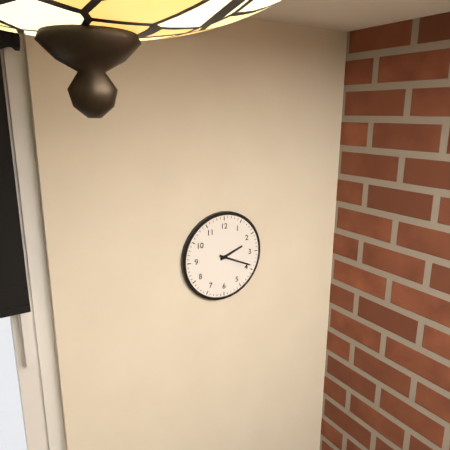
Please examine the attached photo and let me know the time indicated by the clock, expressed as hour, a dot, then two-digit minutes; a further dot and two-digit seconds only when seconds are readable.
2.19
